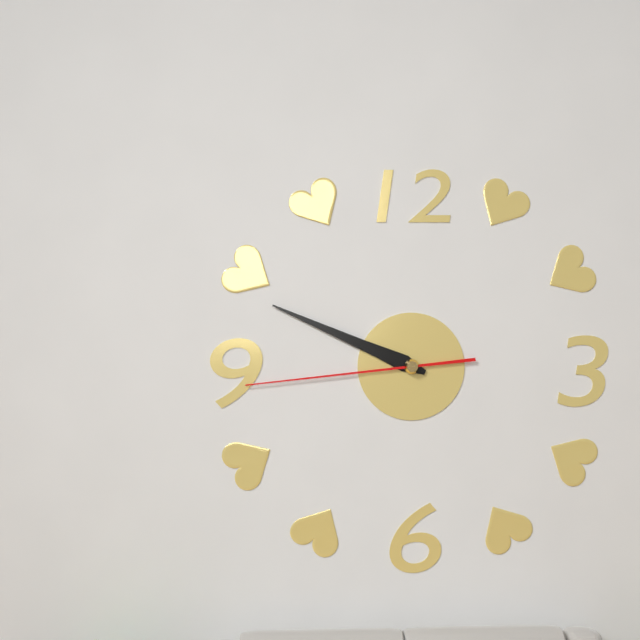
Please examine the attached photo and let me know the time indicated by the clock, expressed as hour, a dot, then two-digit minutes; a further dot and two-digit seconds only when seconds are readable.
9.49.44
